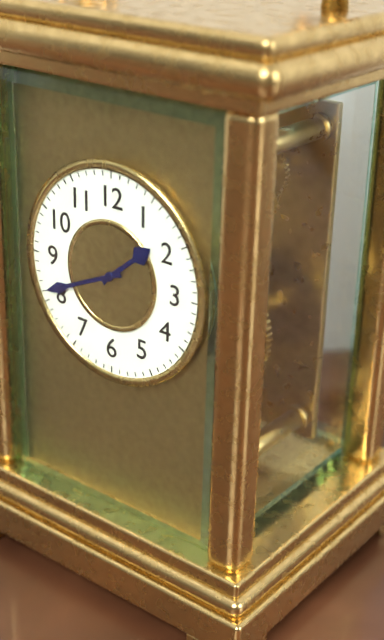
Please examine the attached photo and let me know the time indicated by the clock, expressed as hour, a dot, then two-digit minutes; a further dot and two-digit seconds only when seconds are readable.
1.41
